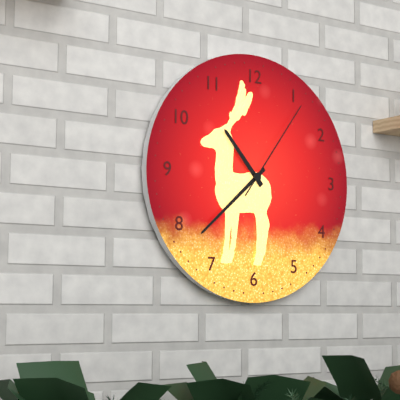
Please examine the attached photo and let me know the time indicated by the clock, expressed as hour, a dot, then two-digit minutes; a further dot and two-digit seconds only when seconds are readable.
10.38.06
